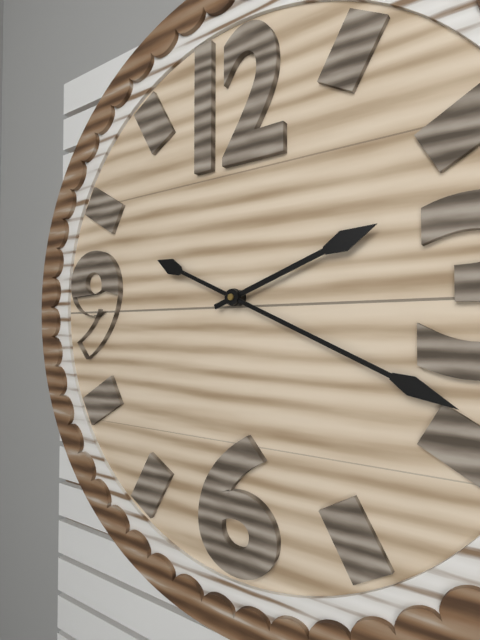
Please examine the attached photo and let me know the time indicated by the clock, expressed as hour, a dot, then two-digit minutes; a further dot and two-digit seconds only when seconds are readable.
2.19
